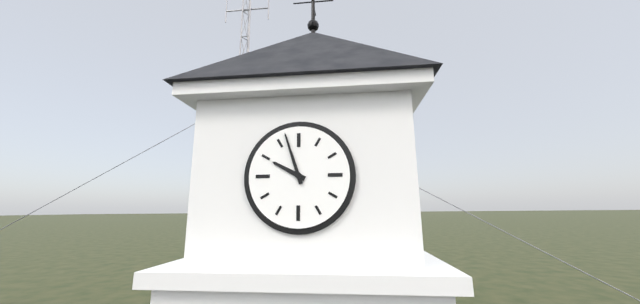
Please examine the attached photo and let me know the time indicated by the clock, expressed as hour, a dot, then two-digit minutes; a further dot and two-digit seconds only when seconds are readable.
9.57
